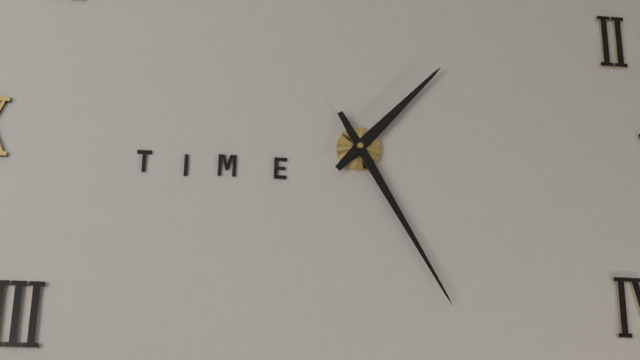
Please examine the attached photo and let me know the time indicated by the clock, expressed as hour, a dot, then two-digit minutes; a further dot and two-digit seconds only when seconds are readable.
1.25
